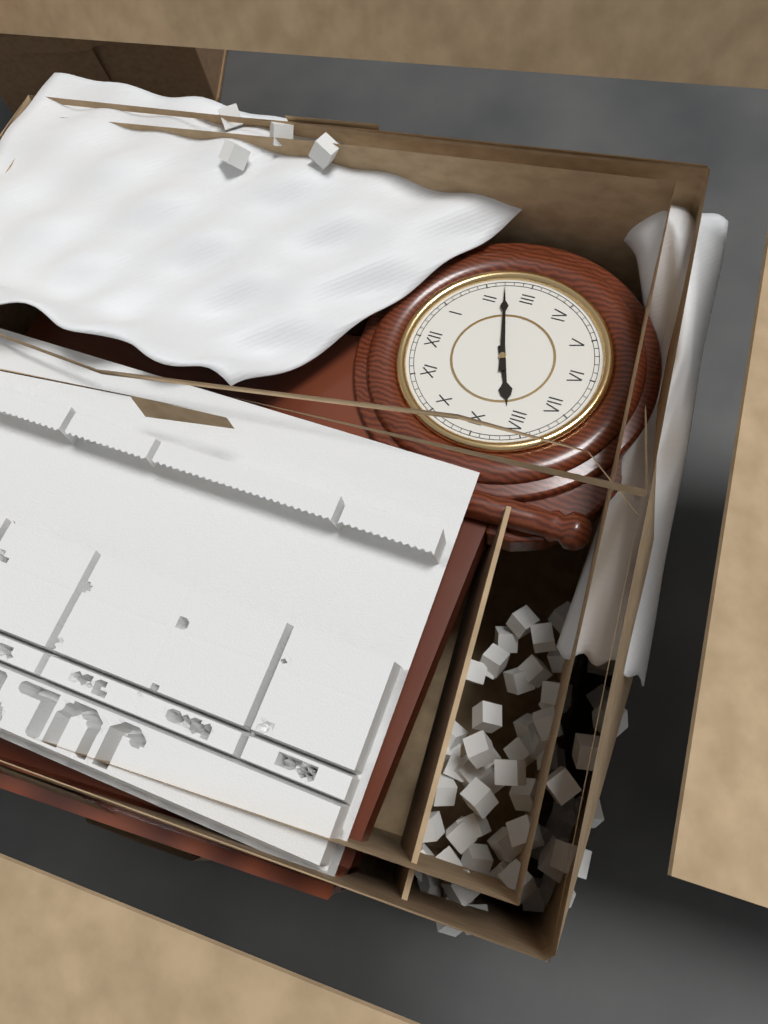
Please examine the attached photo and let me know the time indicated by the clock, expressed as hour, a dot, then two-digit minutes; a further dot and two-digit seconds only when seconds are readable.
8.12
